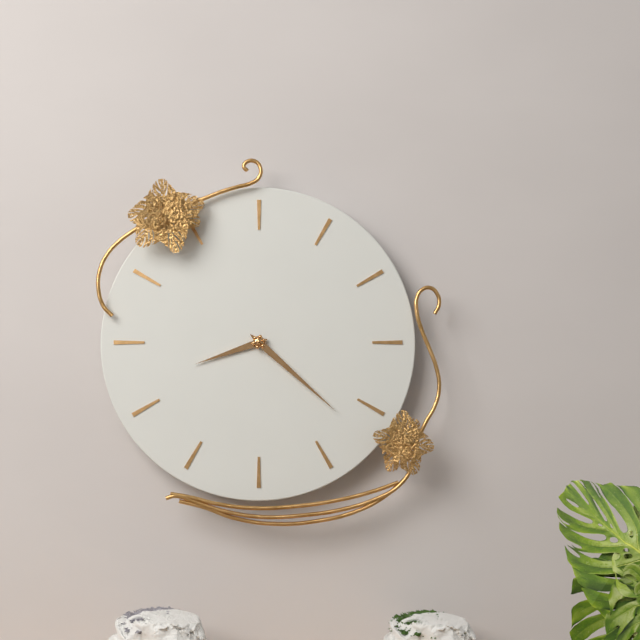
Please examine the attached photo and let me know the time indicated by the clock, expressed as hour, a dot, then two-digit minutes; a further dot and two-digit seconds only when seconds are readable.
8.22
